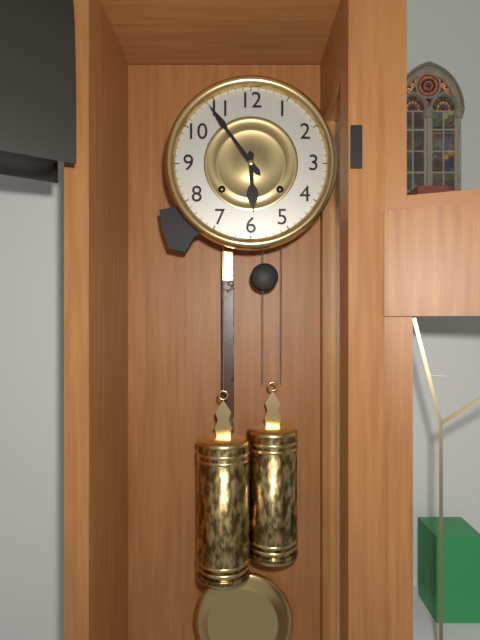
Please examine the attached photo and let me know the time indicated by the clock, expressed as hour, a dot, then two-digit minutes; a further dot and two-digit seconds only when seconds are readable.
5.54
